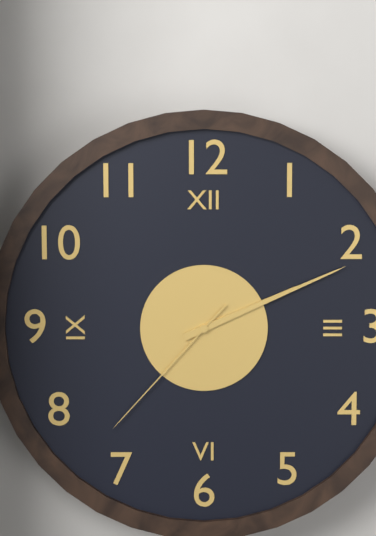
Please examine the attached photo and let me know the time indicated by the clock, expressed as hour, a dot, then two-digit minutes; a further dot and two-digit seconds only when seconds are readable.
2.11.37
